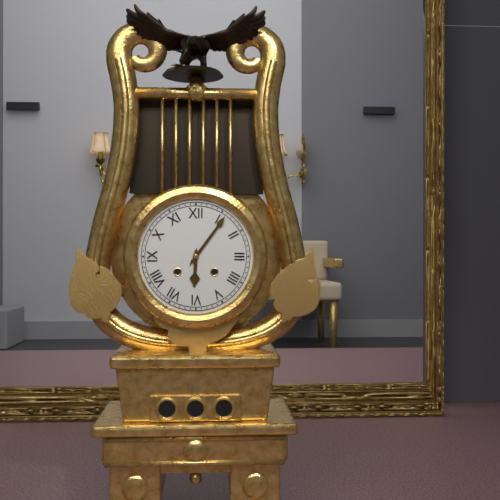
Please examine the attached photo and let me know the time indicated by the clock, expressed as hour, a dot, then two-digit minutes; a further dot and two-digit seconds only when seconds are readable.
6.06
